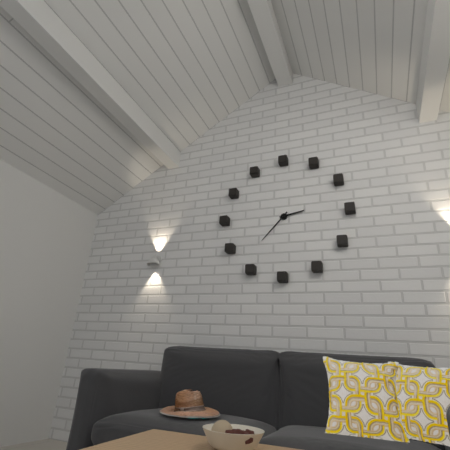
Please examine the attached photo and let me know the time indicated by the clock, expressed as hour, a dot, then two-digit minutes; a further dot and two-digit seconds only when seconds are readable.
2.37
